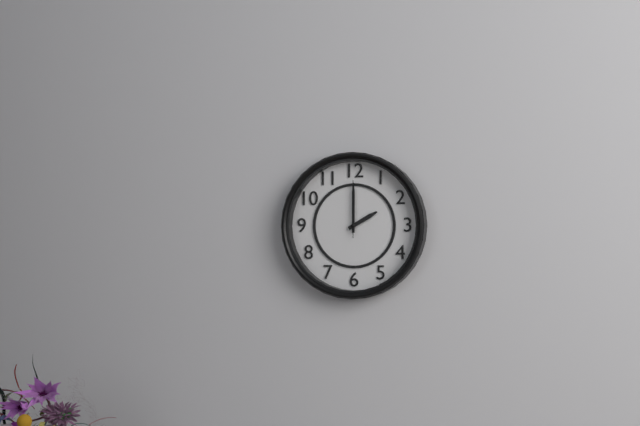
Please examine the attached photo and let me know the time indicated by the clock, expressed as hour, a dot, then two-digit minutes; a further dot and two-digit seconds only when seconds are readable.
2.00.00
